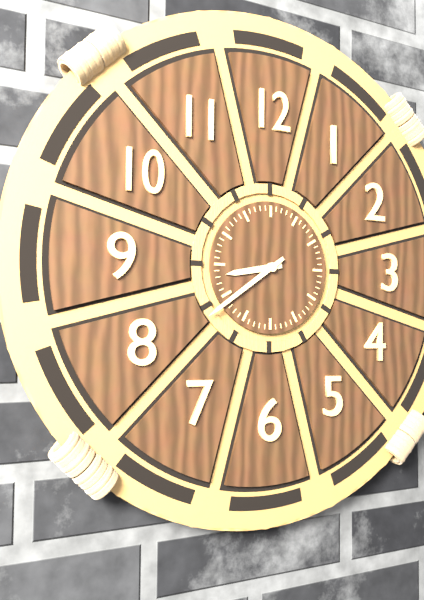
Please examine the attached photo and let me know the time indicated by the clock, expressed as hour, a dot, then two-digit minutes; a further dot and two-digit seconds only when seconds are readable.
8.39
